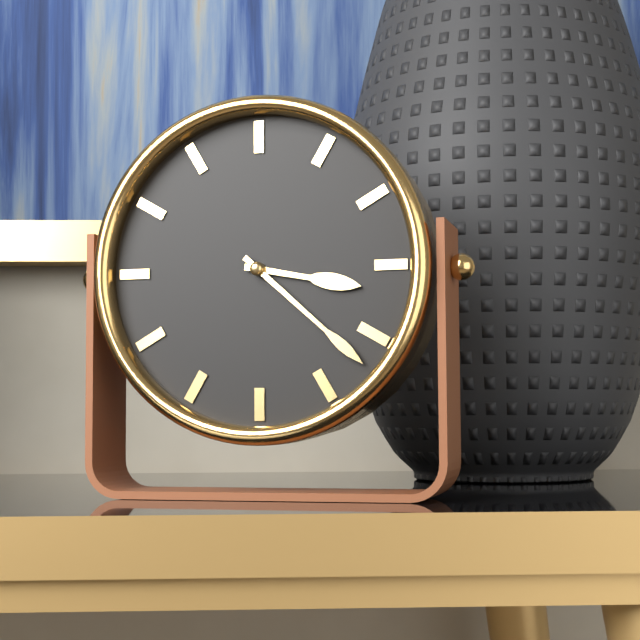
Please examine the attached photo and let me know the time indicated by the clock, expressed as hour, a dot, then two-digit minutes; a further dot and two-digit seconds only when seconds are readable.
3.22
